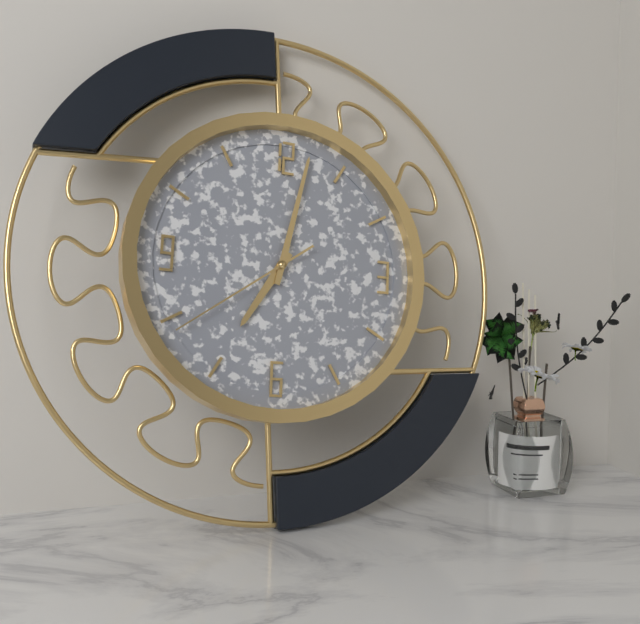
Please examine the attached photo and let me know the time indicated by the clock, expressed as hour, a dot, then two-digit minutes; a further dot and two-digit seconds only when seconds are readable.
7.02.39
